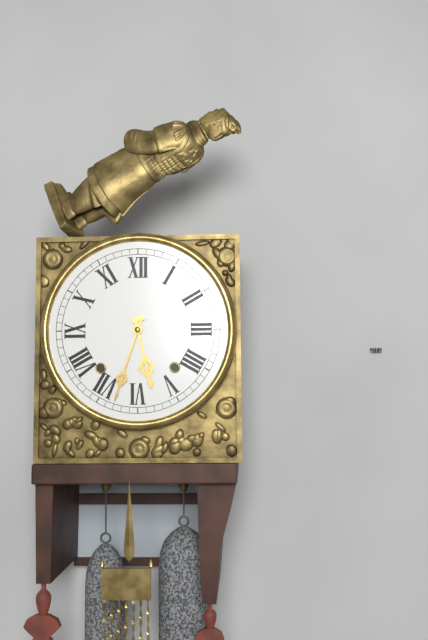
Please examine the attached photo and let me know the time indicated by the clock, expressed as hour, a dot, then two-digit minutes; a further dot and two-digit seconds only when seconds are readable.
5.33
